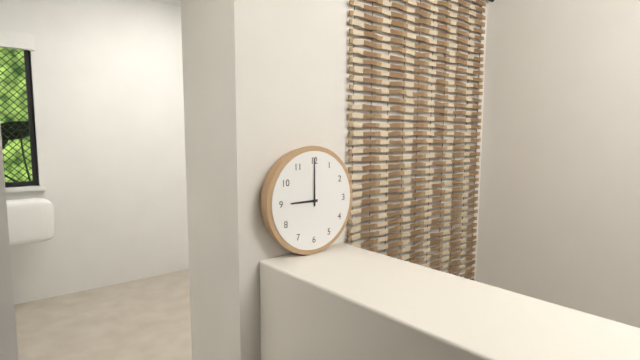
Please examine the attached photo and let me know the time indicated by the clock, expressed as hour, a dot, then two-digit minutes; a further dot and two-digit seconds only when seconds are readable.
9.00
